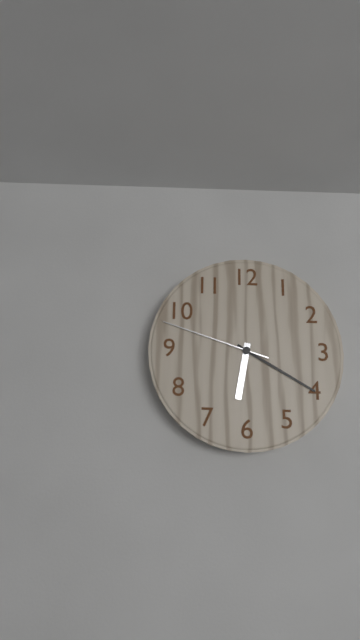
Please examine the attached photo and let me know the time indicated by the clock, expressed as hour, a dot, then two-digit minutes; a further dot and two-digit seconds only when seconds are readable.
6.20.48
